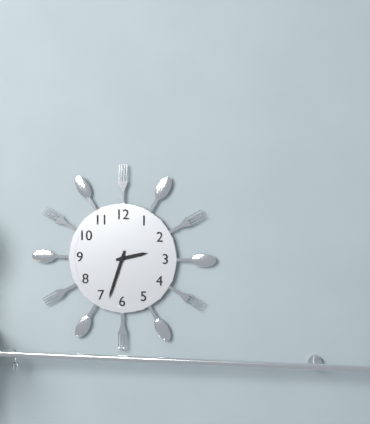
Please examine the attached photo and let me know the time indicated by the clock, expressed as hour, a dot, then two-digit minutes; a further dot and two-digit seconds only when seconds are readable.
2.33
